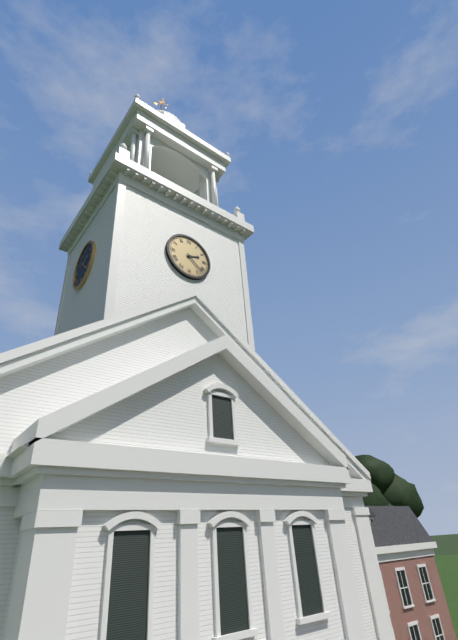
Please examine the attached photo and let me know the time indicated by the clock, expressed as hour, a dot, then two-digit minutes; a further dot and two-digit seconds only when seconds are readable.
2.22
